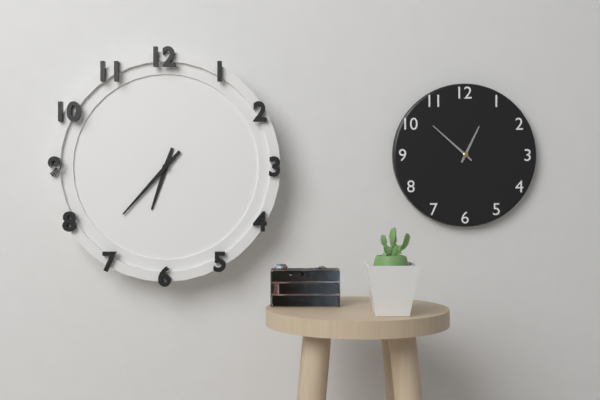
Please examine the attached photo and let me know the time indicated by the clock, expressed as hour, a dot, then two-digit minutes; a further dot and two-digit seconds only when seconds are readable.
6.37
